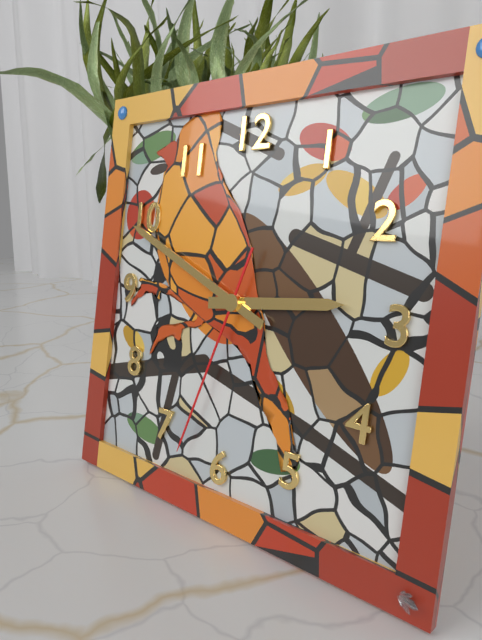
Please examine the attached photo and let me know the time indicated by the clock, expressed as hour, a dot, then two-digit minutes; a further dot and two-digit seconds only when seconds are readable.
2.49.33
